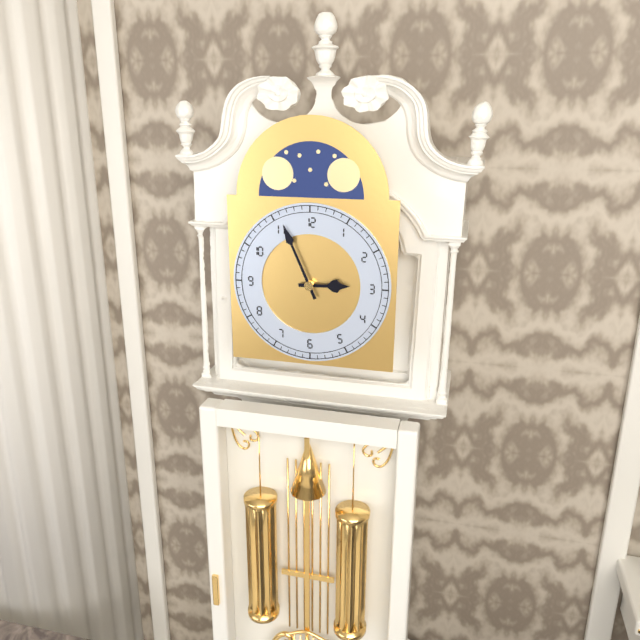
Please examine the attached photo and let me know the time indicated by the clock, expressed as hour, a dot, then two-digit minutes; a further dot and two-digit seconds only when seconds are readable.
2.56
